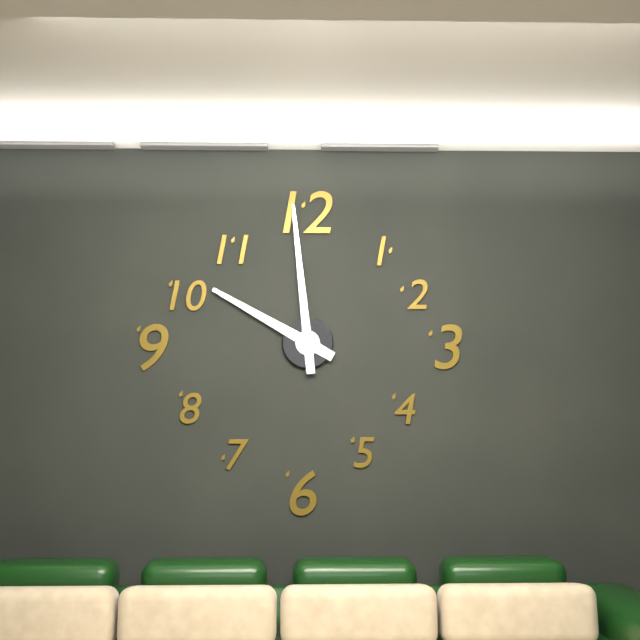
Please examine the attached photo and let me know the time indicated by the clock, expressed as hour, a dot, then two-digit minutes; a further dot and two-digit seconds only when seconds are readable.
9.59
